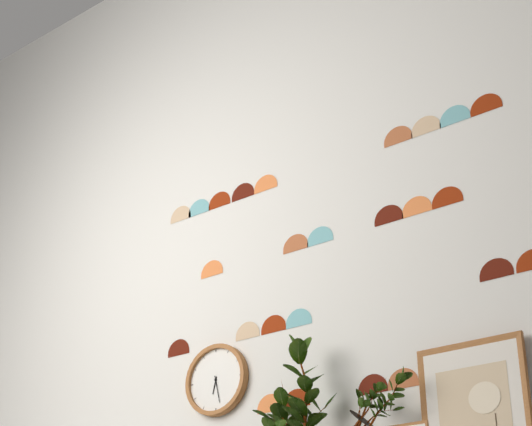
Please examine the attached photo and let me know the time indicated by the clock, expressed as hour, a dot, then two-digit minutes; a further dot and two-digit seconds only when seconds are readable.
6.28
